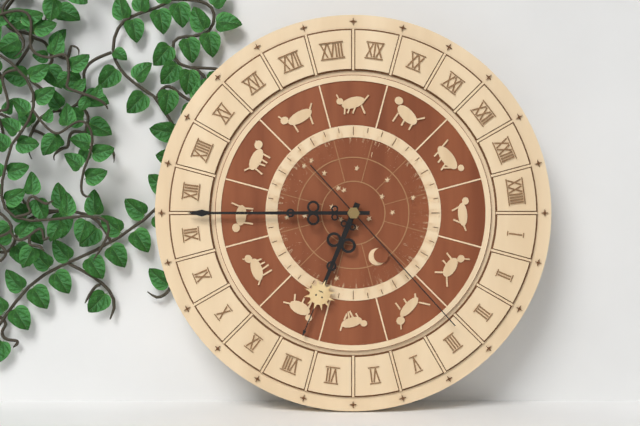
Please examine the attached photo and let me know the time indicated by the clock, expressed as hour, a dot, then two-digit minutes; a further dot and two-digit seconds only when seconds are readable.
6.45.23
